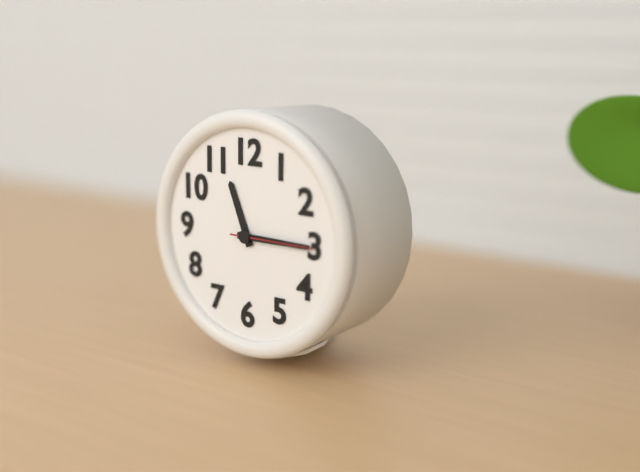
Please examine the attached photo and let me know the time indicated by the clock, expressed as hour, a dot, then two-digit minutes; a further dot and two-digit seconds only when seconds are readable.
11.15.15
